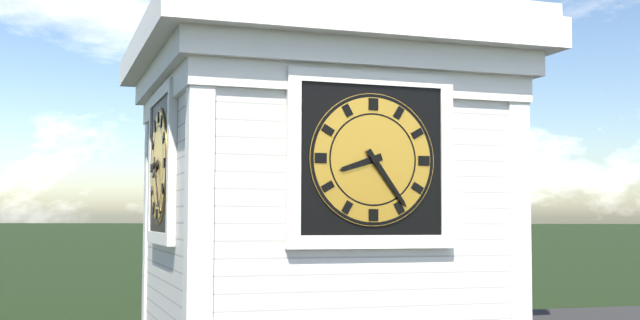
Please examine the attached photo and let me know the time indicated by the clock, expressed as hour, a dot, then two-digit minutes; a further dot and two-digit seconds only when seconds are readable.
8.24
